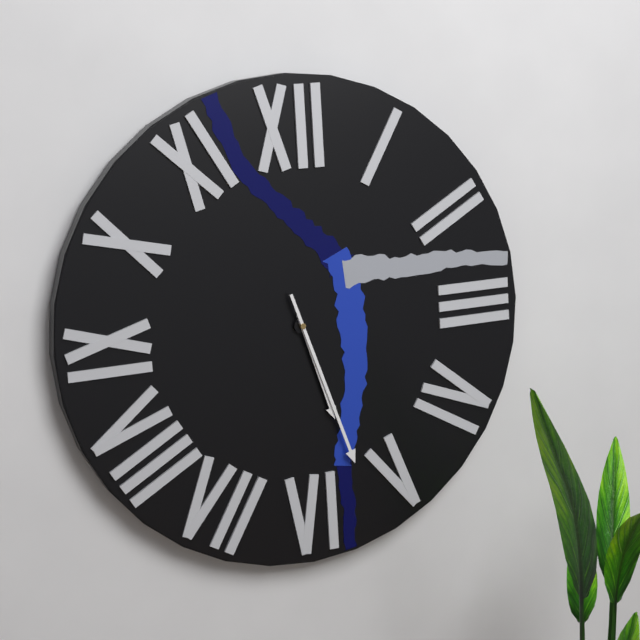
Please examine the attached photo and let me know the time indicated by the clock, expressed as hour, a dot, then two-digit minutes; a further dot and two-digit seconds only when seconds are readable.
5.27
